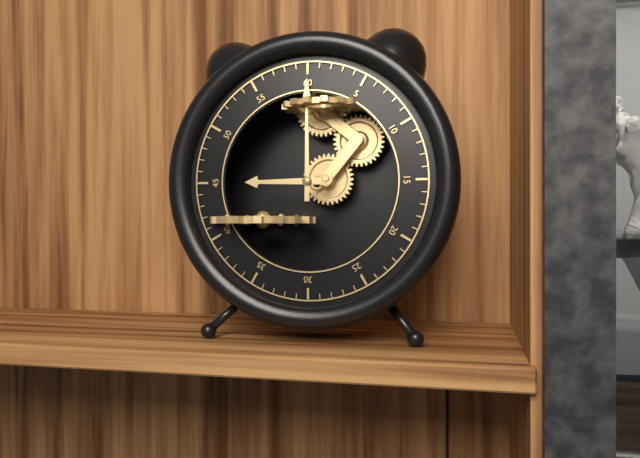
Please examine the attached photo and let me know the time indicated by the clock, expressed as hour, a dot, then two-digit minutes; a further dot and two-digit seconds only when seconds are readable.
9.00
